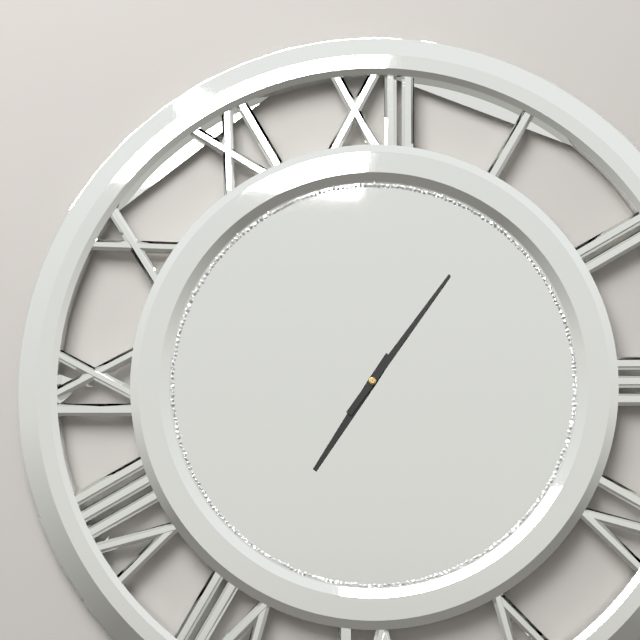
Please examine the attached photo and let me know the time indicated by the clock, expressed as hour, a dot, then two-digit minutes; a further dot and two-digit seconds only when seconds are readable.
7.06
